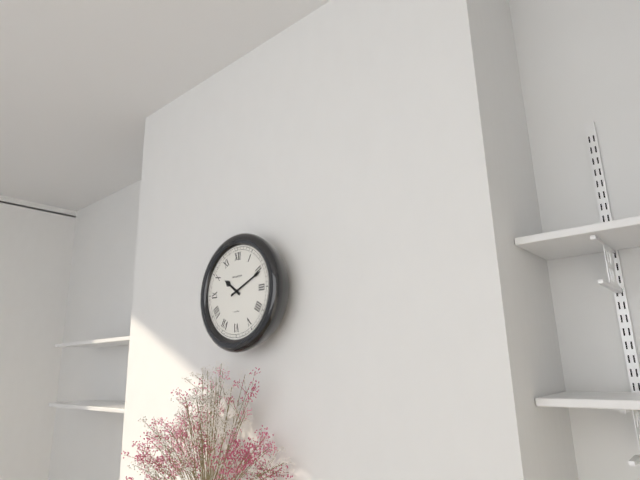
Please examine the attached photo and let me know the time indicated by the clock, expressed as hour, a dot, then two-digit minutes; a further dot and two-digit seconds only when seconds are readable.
10.11
